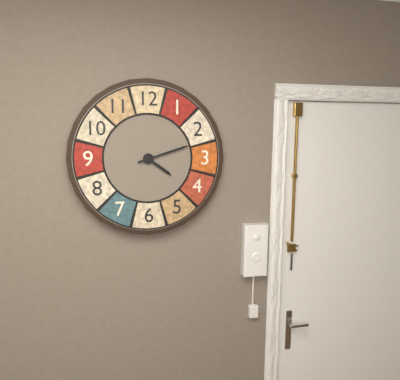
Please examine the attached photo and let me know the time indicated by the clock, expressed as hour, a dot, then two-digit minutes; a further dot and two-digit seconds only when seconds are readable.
4.12
